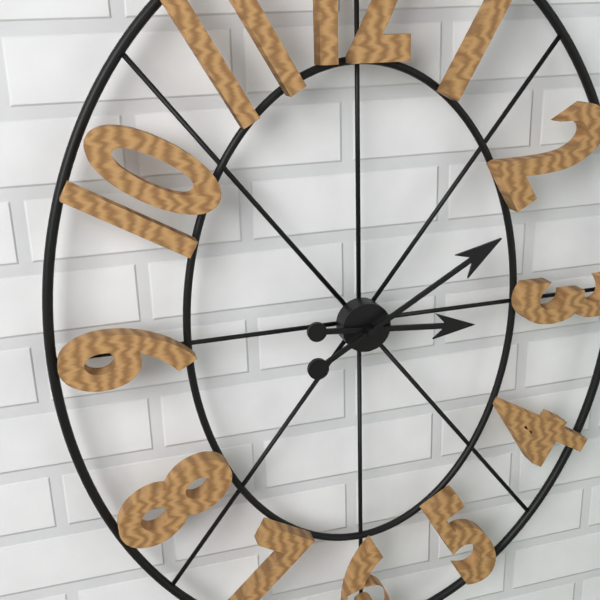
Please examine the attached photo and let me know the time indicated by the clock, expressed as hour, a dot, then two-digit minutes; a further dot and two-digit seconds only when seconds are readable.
3.10
